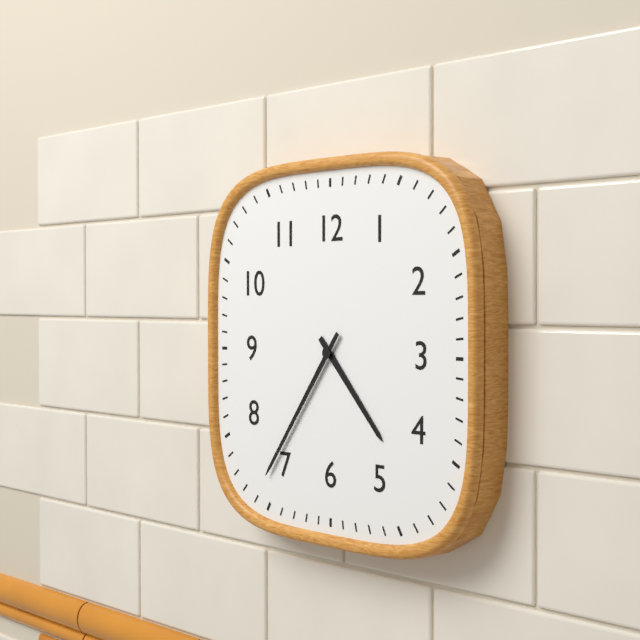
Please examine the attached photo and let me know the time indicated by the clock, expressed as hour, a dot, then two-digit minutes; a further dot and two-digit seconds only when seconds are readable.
4.36
